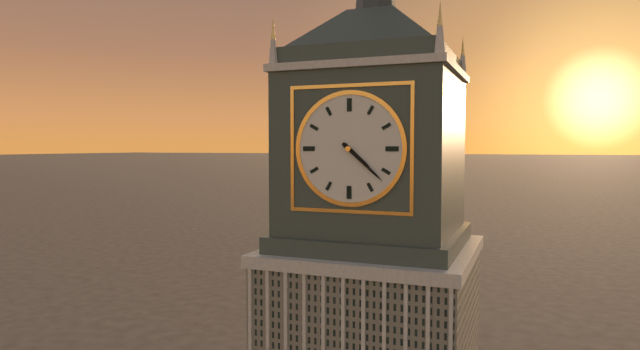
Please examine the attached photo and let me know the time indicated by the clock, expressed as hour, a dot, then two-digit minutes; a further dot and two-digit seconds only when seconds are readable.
4.22
